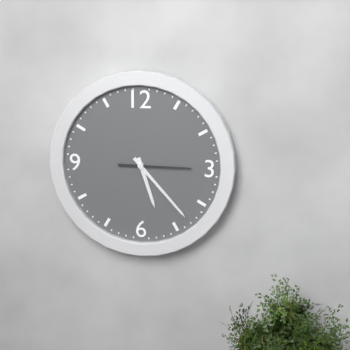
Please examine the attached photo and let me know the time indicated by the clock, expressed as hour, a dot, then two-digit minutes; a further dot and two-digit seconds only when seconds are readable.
5.23.15
